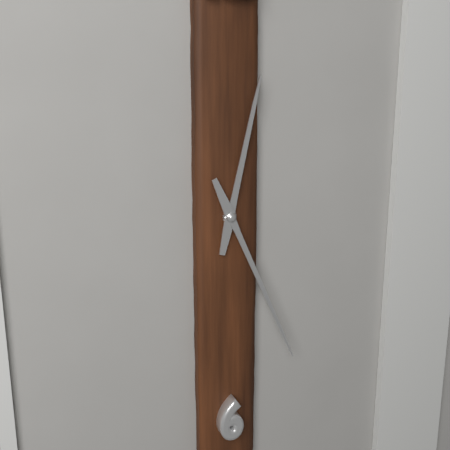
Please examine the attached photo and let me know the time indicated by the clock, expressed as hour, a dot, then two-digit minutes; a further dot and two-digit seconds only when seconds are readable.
12.26
